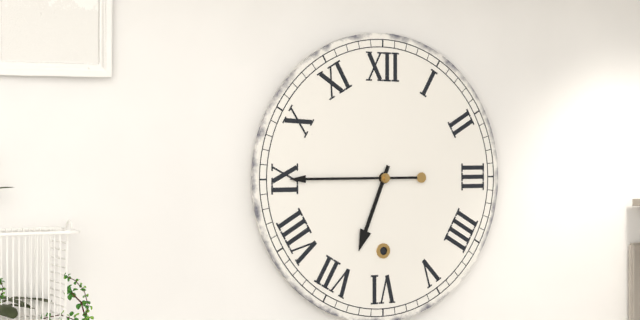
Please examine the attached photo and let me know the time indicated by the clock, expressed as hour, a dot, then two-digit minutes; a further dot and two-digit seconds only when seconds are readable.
6.45
